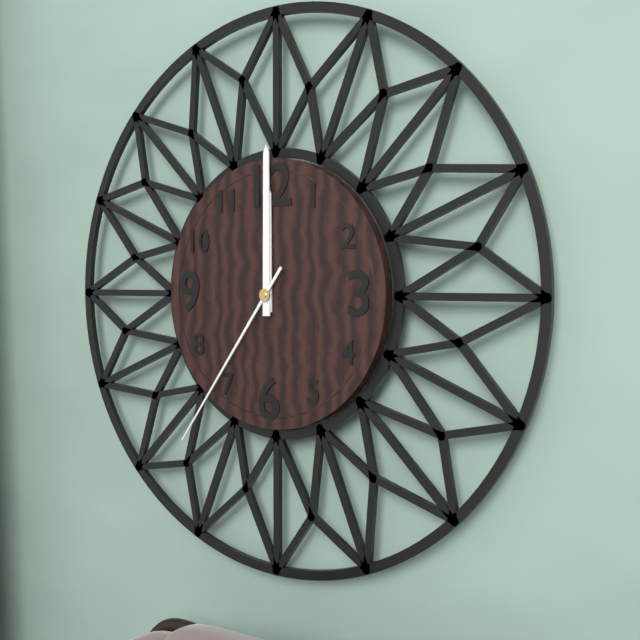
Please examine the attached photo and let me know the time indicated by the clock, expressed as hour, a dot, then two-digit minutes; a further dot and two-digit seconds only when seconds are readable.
12.00.36
